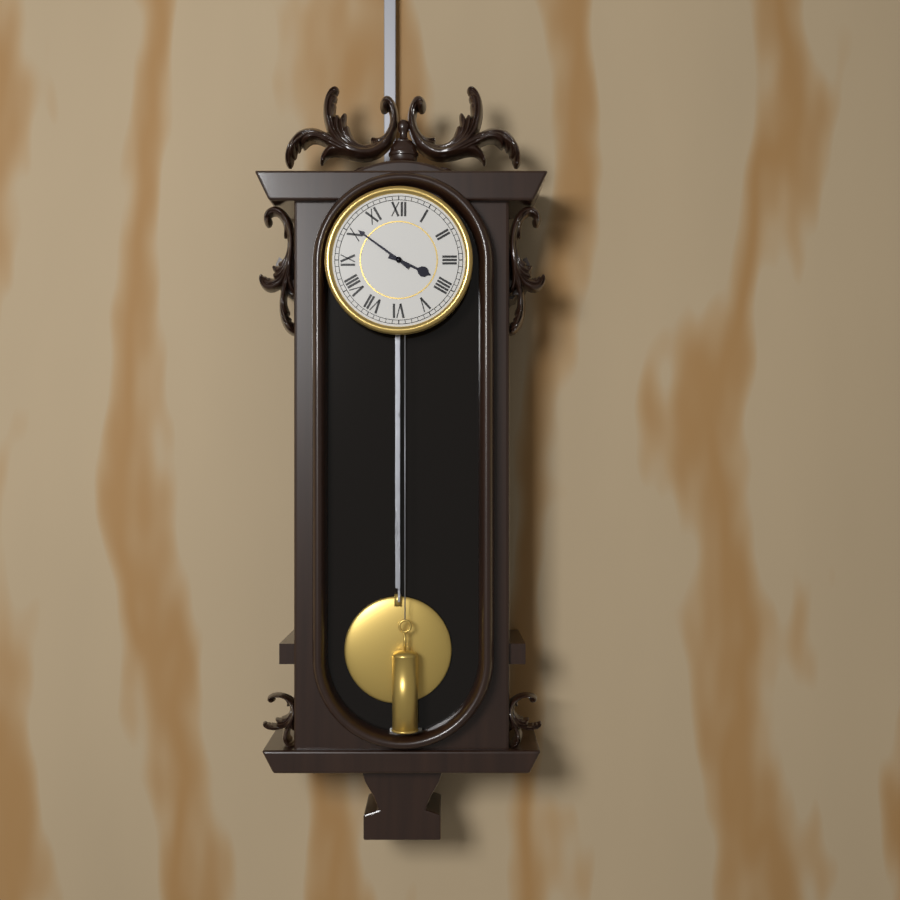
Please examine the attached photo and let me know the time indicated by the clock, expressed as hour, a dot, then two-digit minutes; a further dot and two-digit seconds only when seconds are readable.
3.51
